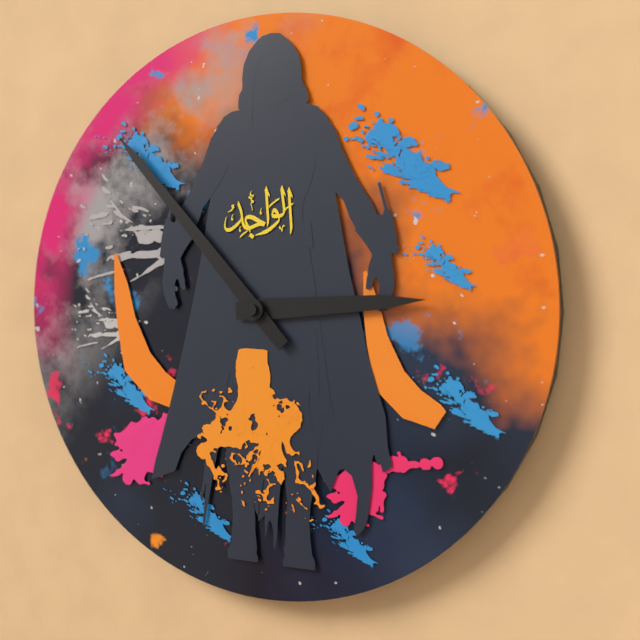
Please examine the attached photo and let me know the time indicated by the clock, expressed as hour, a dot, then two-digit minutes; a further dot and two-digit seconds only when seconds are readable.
2.53
